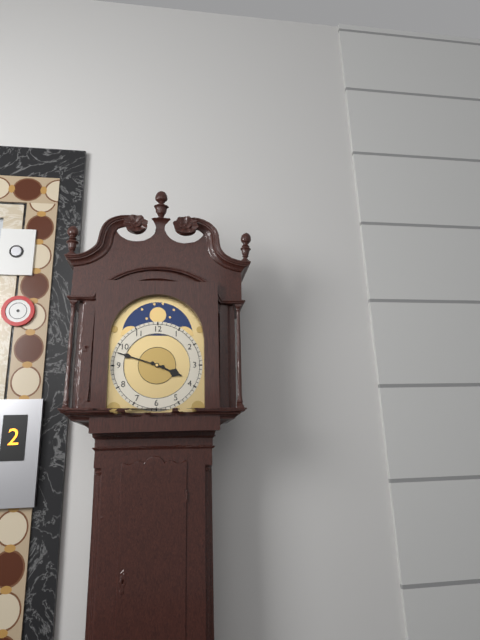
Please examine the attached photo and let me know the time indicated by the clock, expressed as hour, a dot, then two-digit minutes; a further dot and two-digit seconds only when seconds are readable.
3.48
